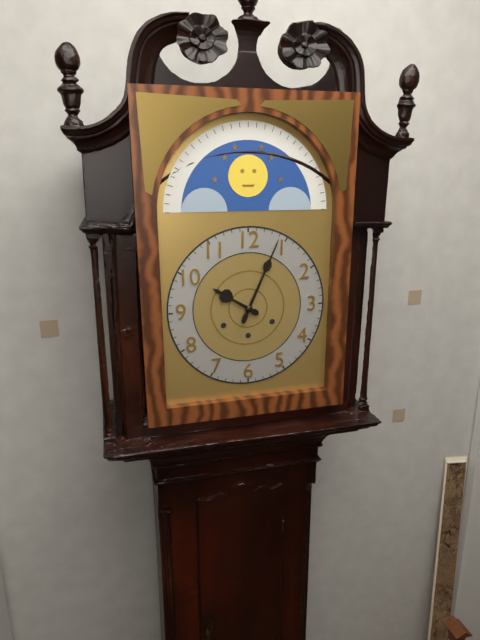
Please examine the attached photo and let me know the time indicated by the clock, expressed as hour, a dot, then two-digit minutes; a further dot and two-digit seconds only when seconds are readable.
10.04
